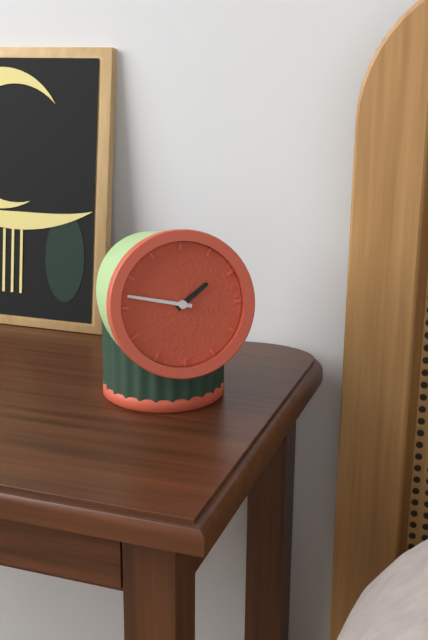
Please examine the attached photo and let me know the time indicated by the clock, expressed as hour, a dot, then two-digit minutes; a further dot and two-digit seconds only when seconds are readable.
1.47
